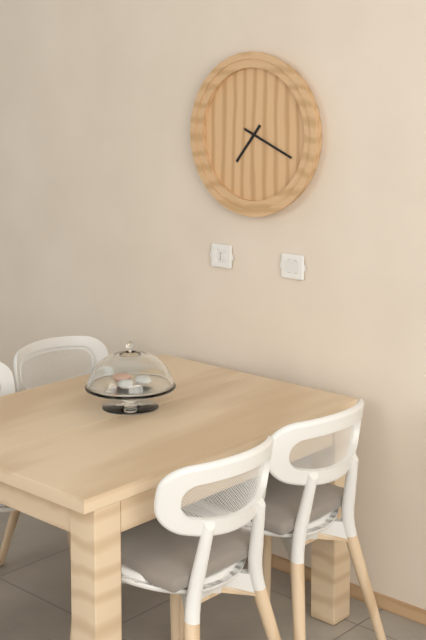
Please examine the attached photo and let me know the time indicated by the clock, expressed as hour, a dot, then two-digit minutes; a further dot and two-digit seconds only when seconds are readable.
7.19
